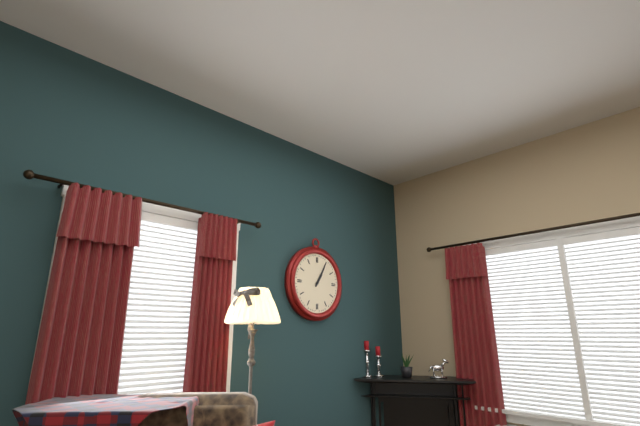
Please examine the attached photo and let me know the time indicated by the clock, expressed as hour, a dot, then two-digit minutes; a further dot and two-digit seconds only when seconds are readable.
1.05
